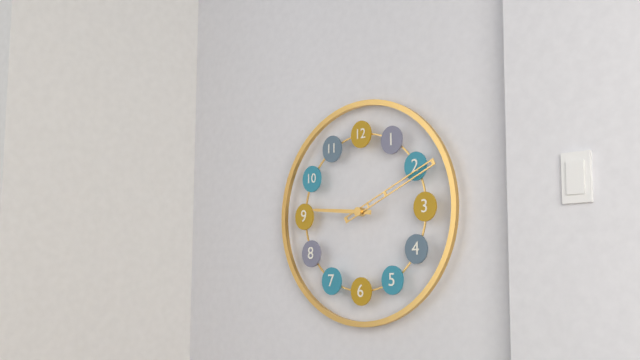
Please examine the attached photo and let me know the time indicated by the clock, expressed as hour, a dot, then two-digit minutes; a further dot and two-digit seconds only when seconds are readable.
9.11
